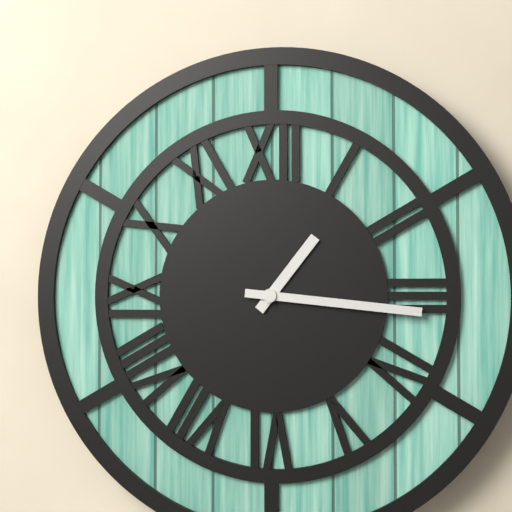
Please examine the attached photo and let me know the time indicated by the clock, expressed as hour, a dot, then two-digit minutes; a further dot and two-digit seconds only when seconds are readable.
1.16
